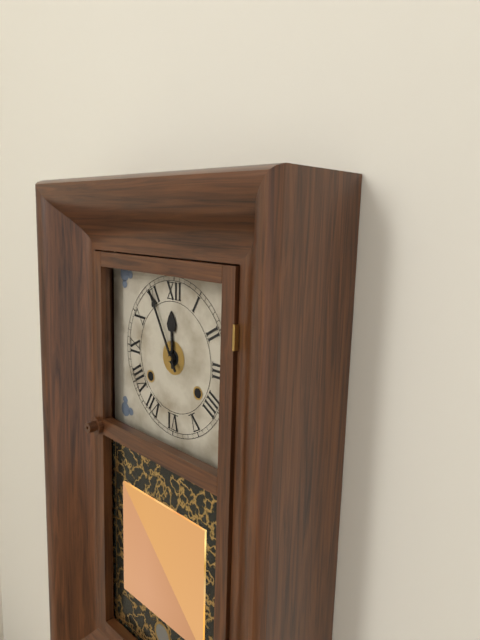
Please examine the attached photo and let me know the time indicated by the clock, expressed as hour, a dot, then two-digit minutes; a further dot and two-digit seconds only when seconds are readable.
11.55
